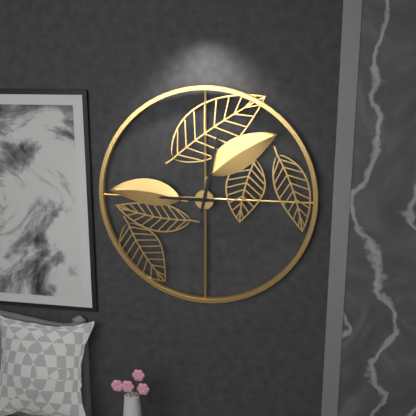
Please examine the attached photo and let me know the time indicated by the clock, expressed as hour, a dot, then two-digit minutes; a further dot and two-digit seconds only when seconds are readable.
9.02
